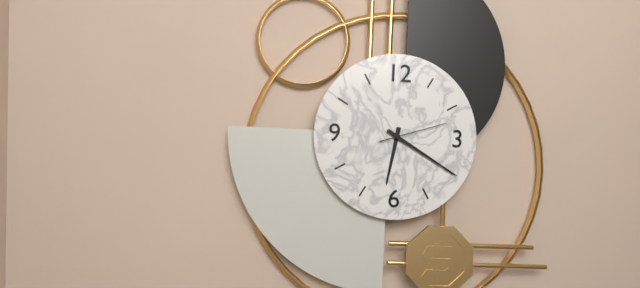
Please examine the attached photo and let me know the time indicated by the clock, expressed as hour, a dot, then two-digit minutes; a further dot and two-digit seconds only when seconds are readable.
6.20.12
